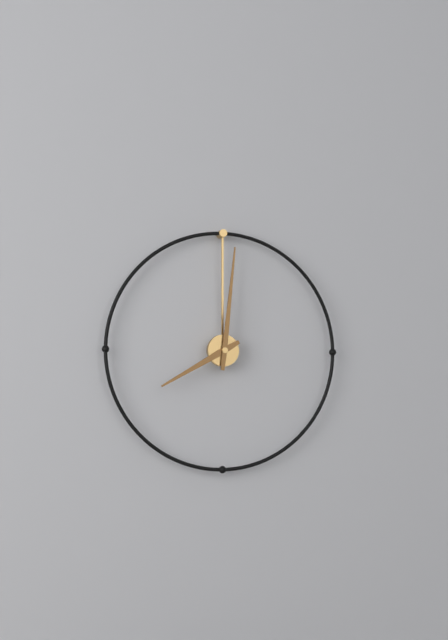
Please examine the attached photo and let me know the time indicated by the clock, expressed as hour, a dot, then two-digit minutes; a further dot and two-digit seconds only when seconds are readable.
8.01
